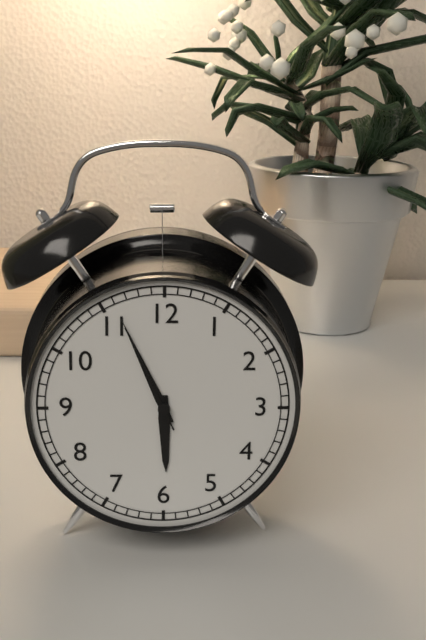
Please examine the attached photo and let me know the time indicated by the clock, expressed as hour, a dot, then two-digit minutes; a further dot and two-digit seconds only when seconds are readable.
5.56.56
